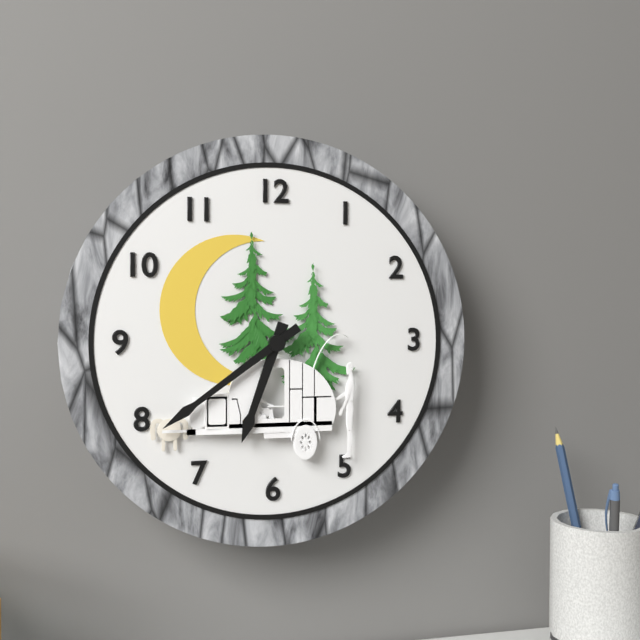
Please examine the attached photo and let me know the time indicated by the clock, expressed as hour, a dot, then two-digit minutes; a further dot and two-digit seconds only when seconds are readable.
6.39
